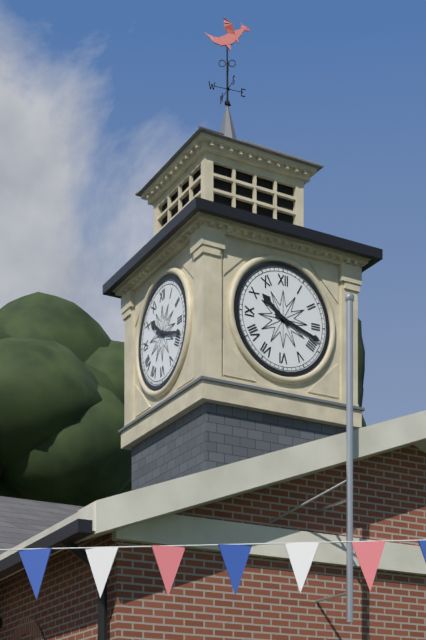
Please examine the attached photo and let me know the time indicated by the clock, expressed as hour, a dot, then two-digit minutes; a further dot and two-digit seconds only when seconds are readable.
10.18
